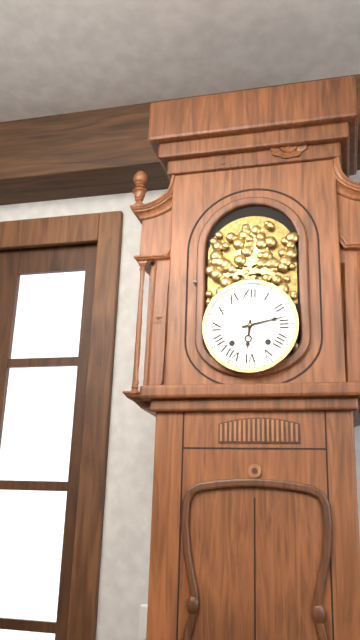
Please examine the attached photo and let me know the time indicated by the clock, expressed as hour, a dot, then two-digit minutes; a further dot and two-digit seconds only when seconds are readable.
6.13
